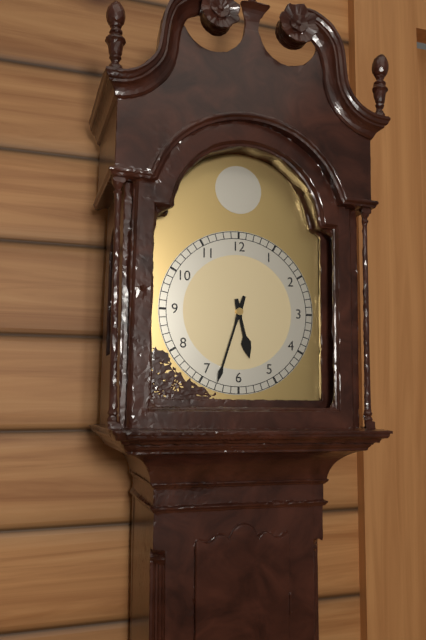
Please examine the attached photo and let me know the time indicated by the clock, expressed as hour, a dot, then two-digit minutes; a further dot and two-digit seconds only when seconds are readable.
5.33
